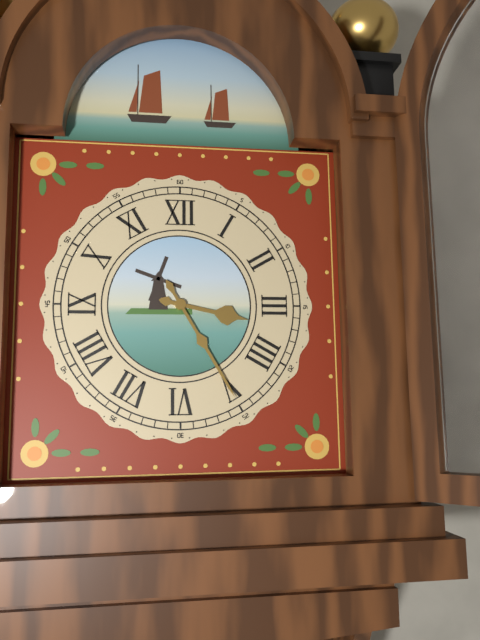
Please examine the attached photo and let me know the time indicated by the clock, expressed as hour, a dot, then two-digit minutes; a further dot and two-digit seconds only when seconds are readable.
3.25
